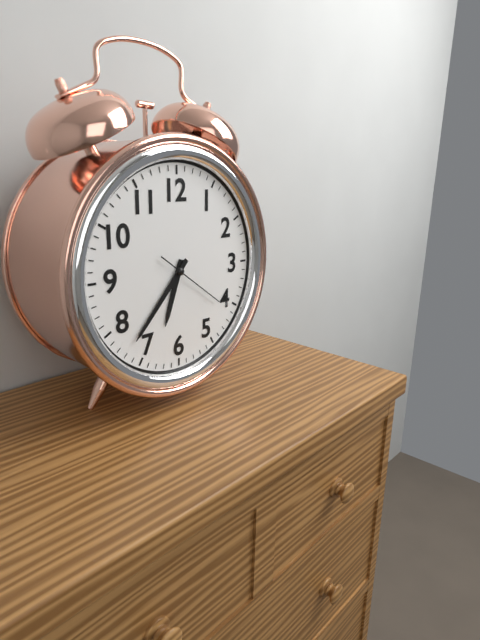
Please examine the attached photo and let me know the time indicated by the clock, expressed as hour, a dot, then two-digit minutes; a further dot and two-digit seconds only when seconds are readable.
6.37.21
